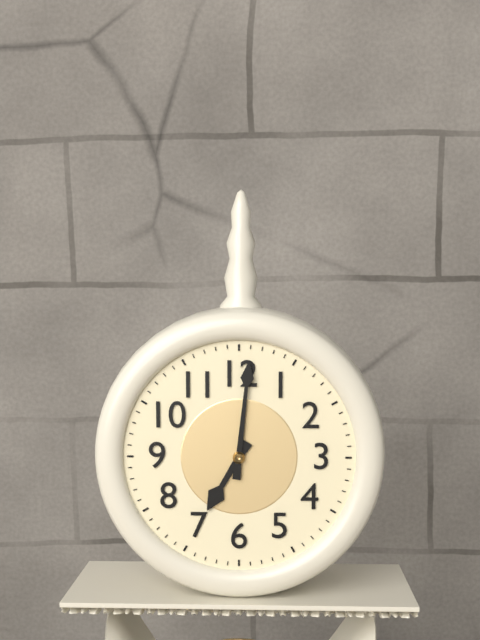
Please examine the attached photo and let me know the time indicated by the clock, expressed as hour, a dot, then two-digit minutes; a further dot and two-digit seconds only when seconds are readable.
7.01
